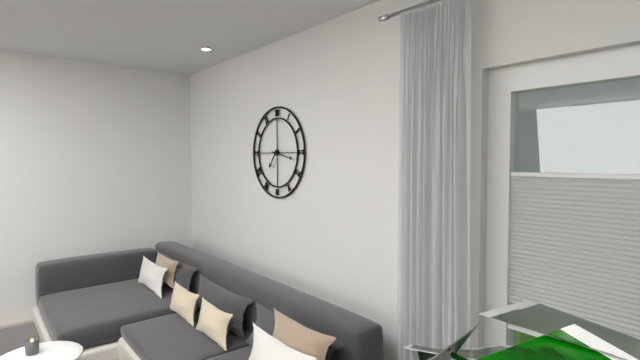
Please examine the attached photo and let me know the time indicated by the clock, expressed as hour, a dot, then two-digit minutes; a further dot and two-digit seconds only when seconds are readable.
7.17
